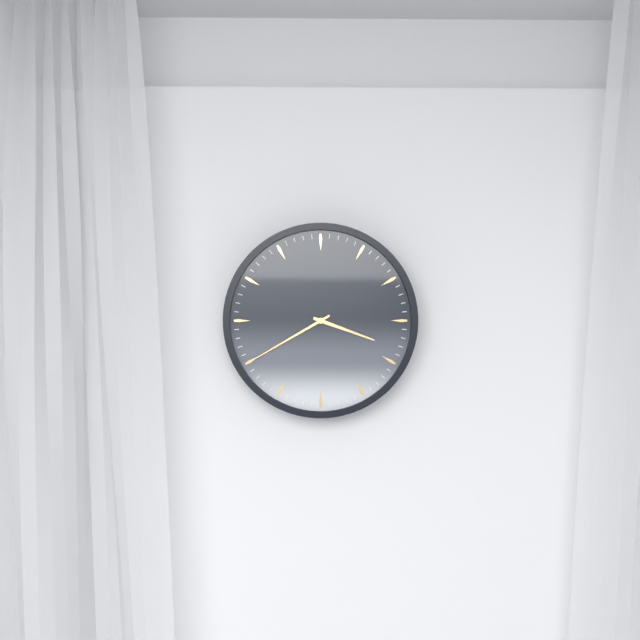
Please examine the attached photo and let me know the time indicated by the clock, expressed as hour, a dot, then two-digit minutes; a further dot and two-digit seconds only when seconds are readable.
3.40
